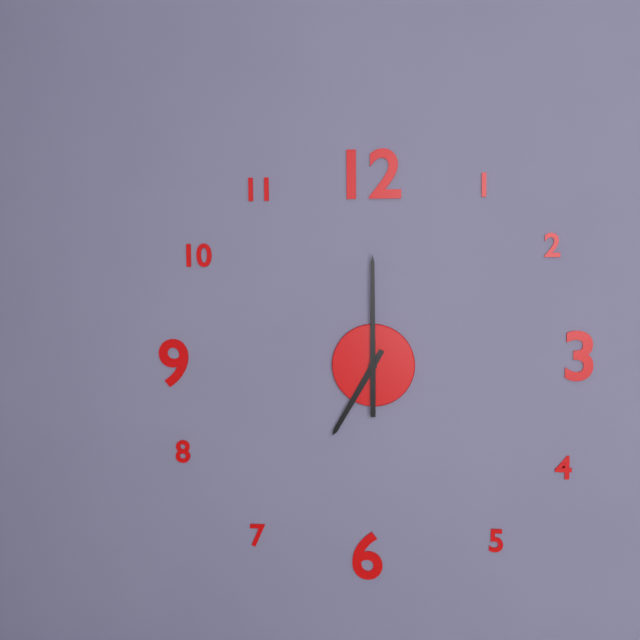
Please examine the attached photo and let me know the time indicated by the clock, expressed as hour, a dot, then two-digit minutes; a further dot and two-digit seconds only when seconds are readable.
7.00
